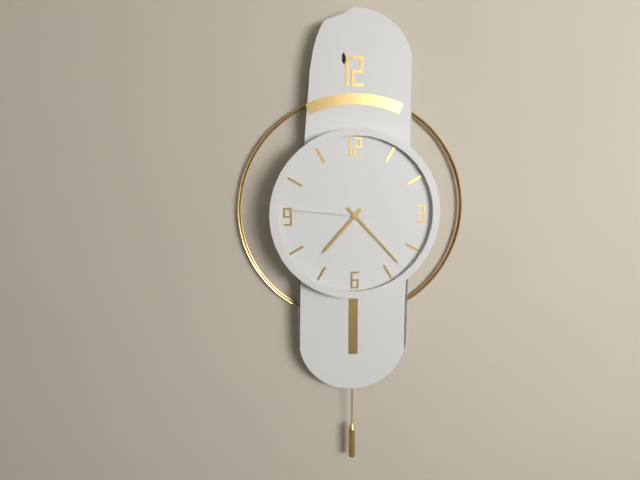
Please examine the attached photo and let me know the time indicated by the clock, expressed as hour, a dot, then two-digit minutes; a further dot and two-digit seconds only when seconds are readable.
7.23.46
